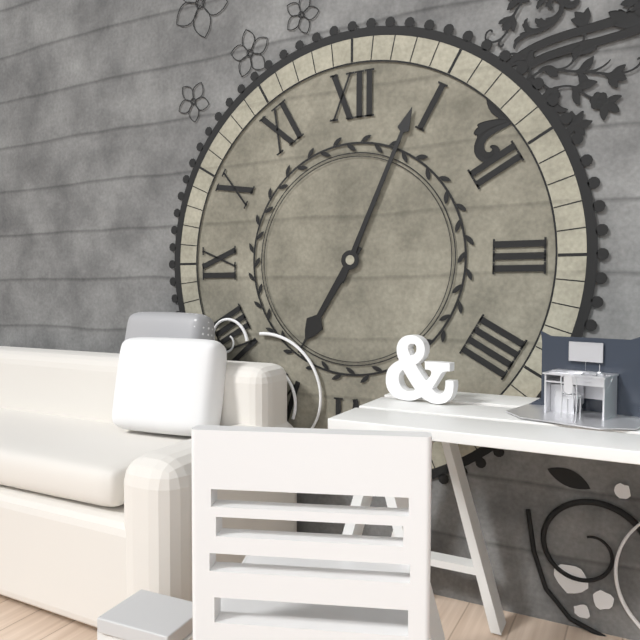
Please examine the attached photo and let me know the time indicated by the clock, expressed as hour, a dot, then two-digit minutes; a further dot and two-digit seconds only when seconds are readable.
7.04
